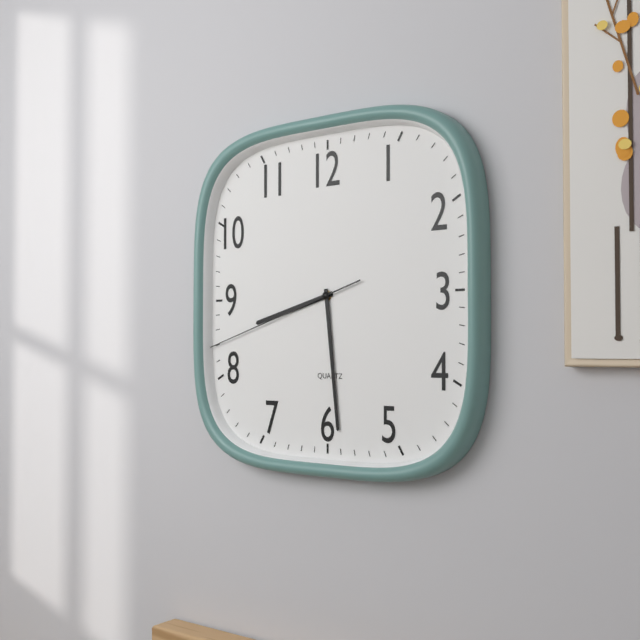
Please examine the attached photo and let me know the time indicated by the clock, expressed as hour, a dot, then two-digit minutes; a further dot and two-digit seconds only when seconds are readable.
8.29.42
